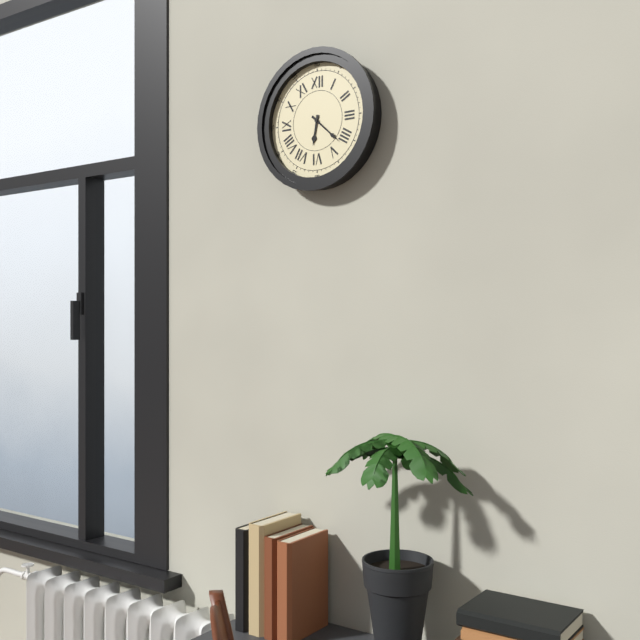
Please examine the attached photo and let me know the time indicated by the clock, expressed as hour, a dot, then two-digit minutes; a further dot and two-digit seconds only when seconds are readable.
6.22
